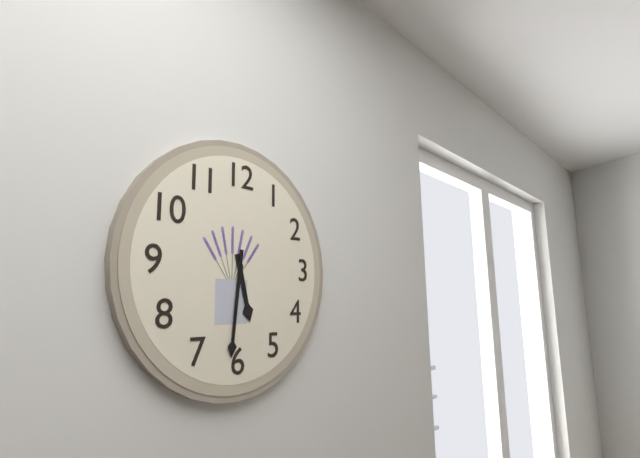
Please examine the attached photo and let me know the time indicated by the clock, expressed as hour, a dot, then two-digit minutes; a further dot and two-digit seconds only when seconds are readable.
5.31
